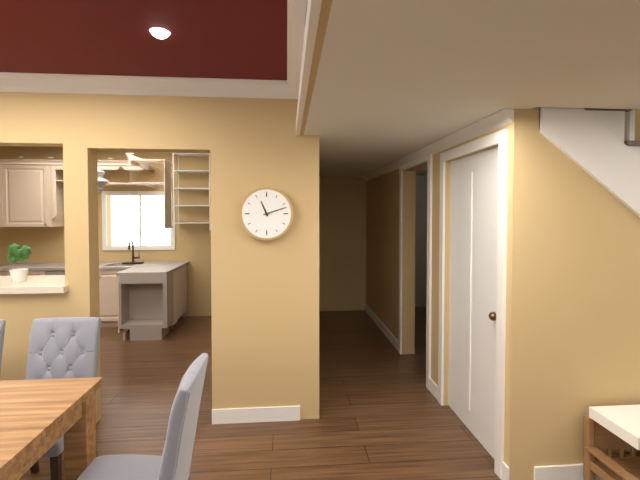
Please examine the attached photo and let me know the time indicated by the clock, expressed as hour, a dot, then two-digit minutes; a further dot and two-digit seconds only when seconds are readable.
11.12
